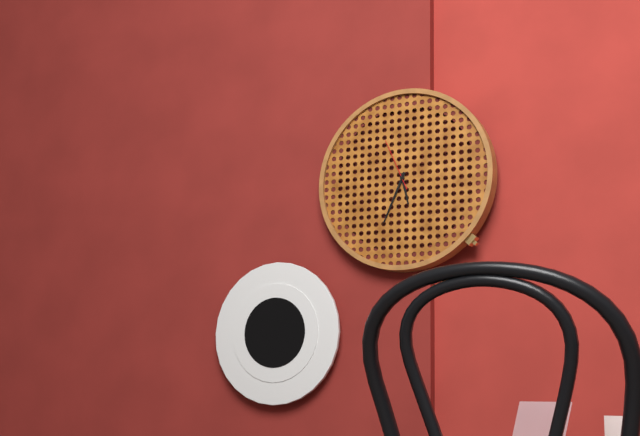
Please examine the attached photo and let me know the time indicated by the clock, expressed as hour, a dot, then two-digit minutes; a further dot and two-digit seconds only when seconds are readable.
5.34.56
